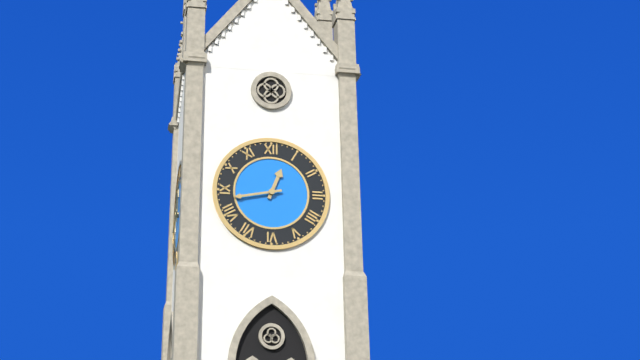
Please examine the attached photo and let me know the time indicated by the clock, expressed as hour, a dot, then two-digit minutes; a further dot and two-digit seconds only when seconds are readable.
12.43
